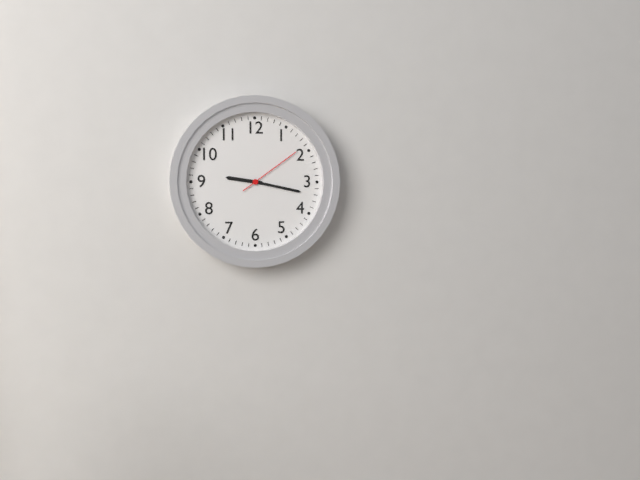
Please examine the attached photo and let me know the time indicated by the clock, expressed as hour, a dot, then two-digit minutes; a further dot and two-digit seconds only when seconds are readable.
9.17.09
